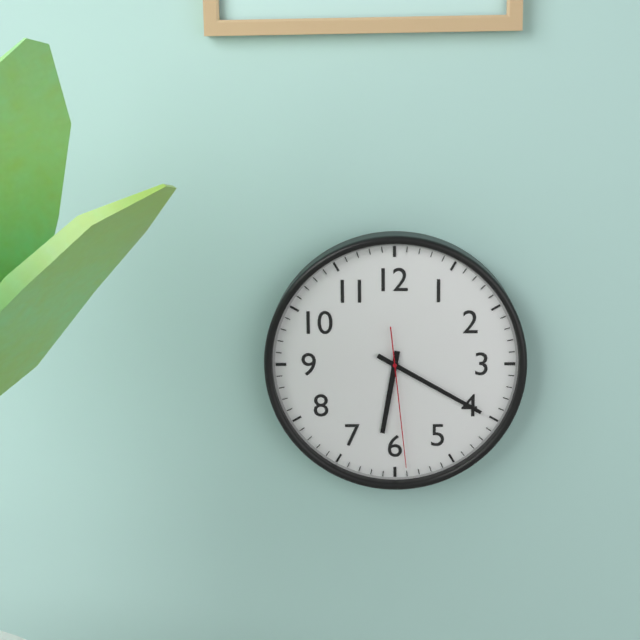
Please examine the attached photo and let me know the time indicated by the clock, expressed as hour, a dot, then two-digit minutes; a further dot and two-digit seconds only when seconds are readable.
6.20.29
